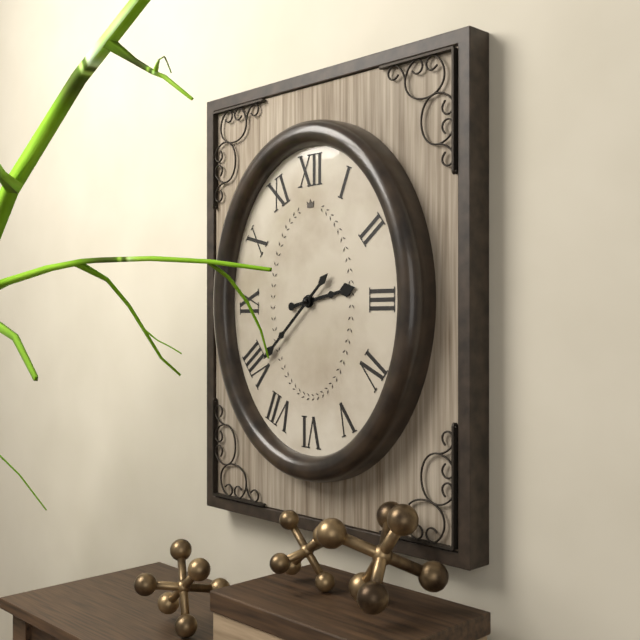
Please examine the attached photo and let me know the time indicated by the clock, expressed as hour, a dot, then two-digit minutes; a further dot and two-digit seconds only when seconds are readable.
2.38
